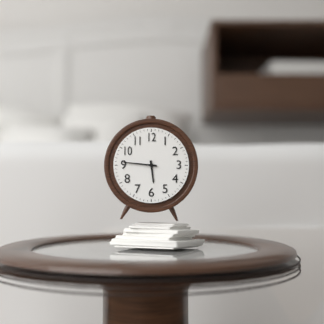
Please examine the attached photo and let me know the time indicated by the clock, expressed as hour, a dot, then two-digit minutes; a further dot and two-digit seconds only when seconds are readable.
5.46
